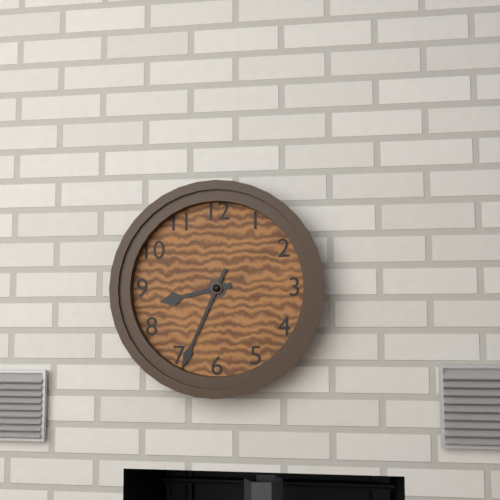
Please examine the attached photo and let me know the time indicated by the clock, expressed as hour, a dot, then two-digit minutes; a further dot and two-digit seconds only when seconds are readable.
8.34
